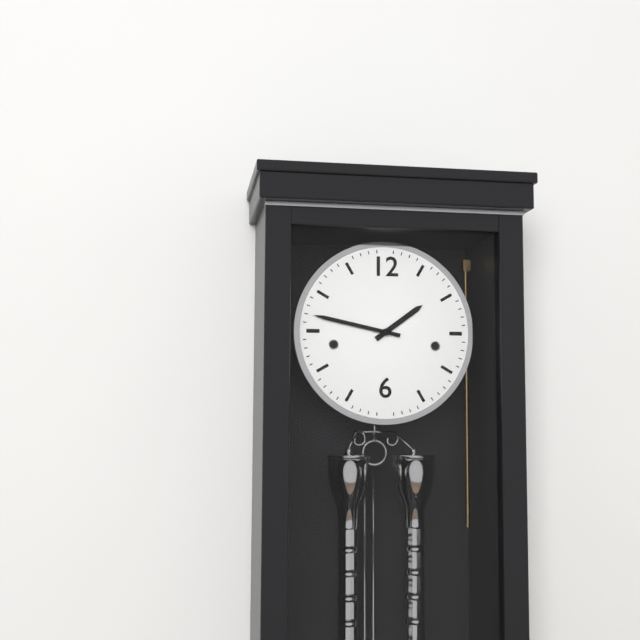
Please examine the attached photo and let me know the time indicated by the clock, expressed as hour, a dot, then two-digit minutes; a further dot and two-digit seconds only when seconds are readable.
1.47
